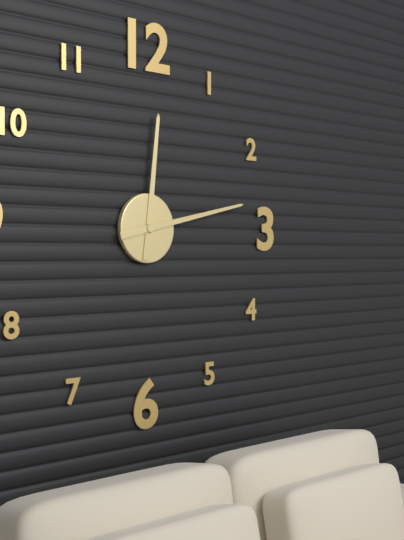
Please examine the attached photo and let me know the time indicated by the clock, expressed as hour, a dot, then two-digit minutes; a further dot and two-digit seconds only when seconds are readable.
12.13
